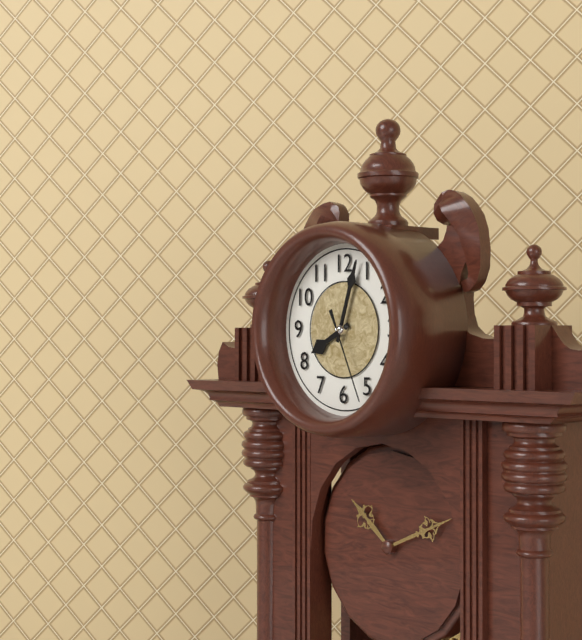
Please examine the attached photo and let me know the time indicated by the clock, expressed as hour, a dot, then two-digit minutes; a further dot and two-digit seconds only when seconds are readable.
8.03.26
